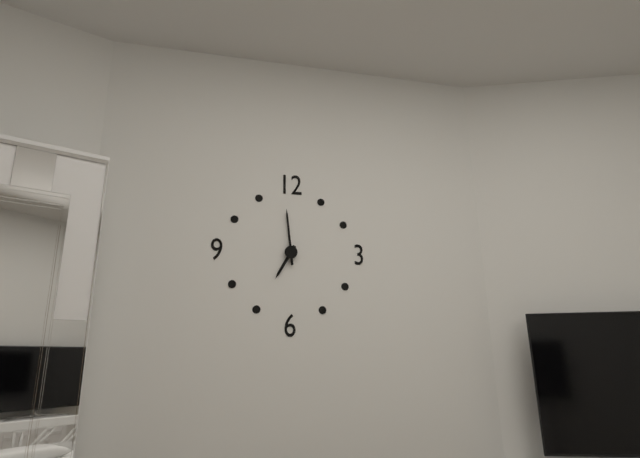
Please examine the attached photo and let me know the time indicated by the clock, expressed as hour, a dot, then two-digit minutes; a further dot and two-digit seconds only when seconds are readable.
6.59
